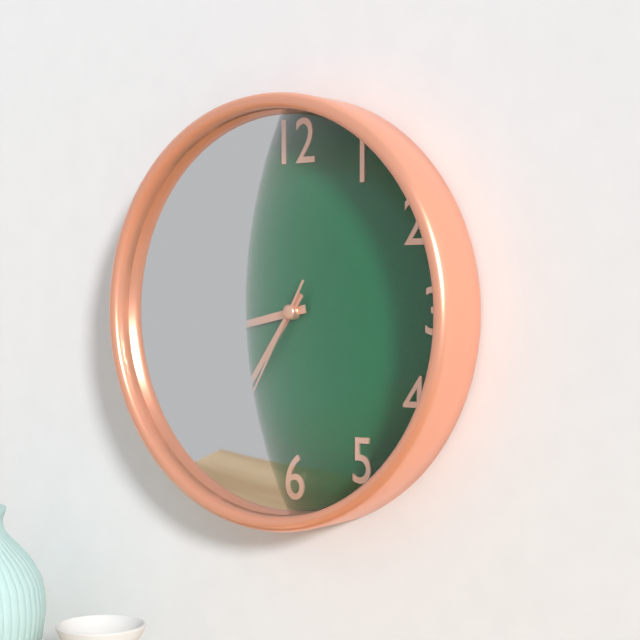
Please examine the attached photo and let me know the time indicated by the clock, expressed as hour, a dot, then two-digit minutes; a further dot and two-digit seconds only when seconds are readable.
8.36.35
